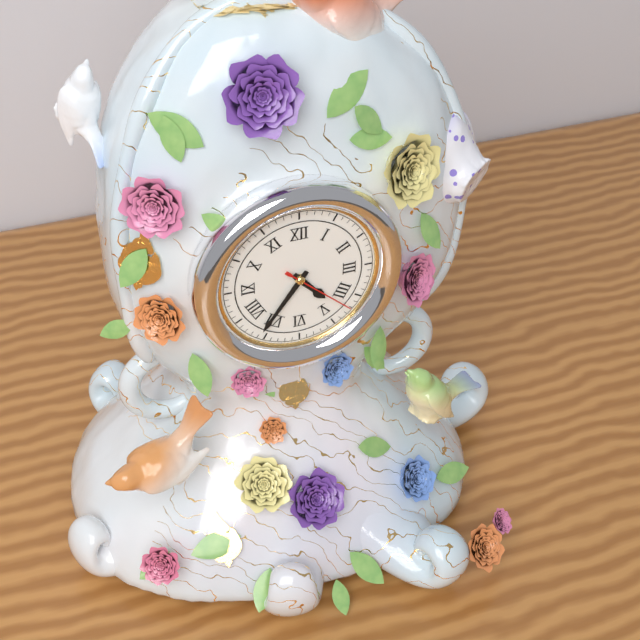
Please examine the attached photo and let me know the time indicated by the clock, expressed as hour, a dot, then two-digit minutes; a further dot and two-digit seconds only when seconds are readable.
4.36.22
